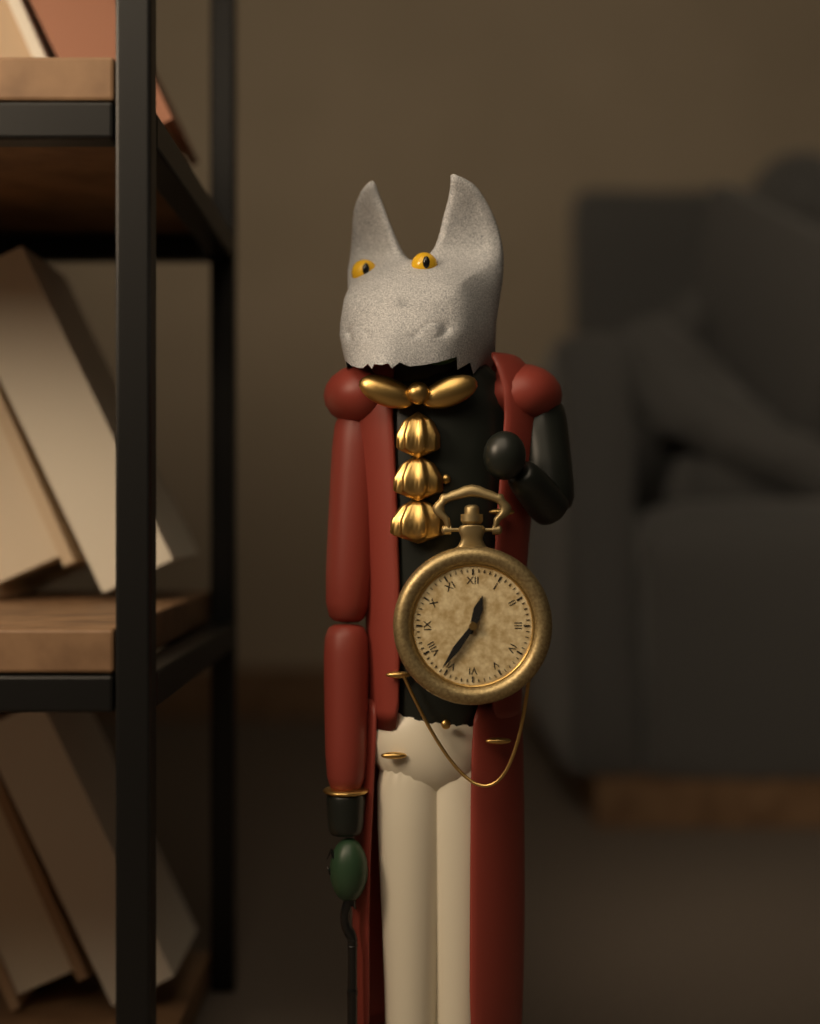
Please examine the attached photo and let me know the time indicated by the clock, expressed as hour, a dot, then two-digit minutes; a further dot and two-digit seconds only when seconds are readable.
12.36
